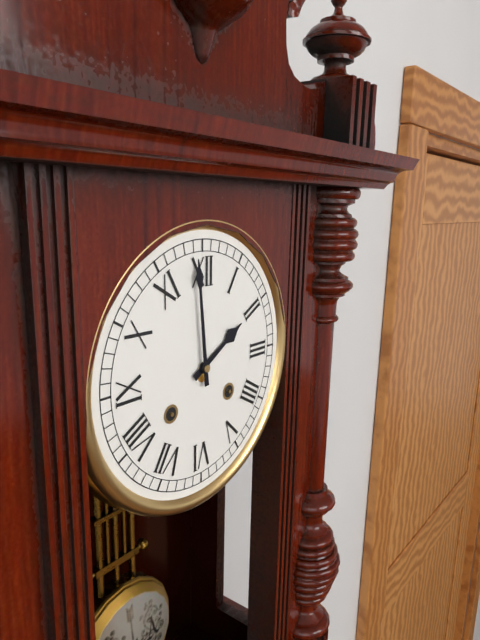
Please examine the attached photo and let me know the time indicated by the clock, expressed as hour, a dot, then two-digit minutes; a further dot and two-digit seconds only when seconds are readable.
1.59
